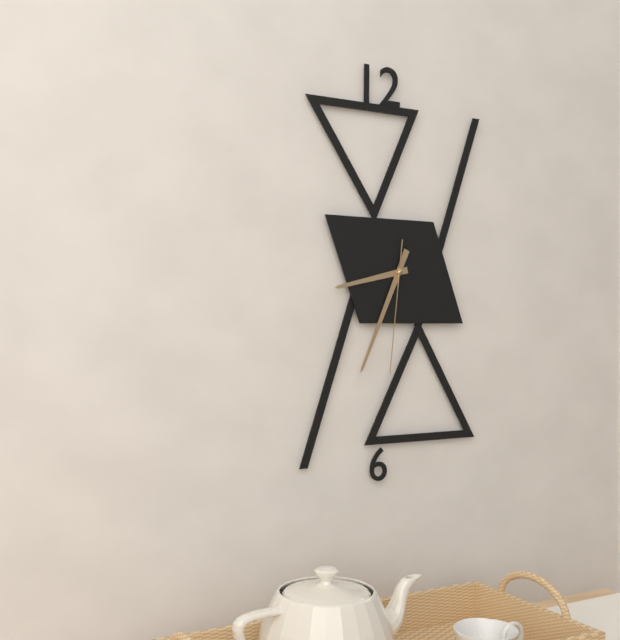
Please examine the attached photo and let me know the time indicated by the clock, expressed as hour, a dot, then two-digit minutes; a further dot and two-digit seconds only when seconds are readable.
8.34.31
